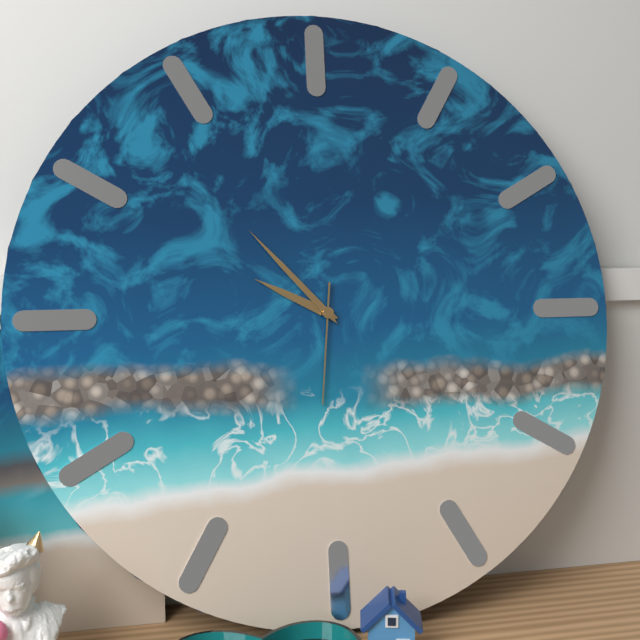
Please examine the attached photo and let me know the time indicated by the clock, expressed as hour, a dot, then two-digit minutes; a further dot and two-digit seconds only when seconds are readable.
9.53.31
